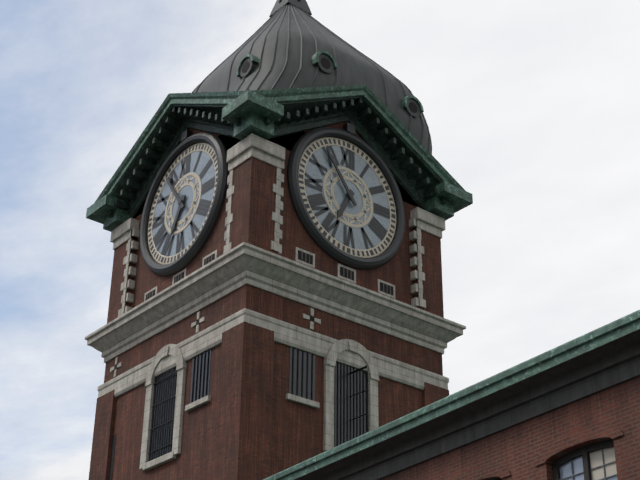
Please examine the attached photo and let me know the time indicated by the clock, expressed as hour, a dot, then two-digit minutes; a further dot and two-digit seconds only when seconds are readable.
6.54
